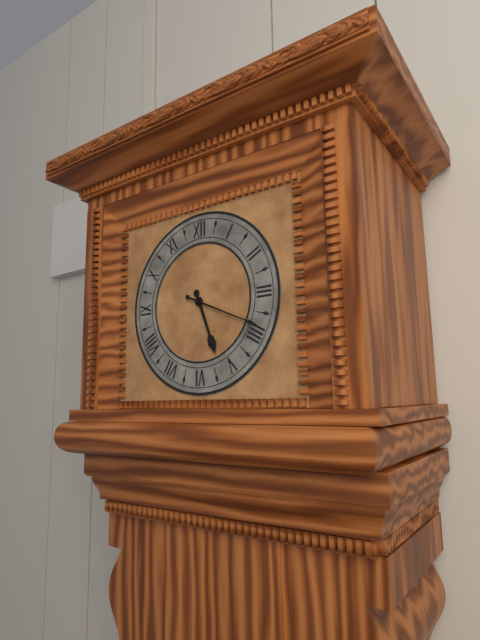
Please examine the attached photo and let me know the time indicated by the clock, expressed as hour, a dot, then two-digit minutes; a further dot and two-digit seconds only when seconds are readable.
5.19
